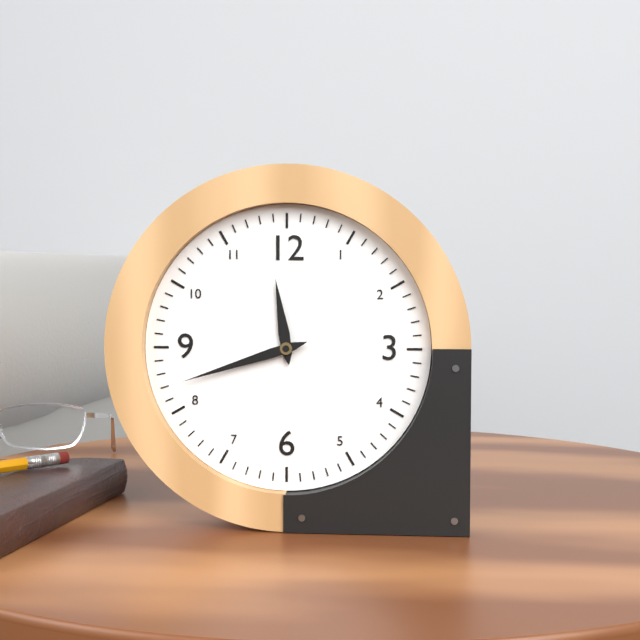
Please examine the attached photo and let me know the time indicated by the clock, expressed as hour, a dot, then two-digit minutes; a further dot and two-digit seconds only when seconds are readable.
11.42
